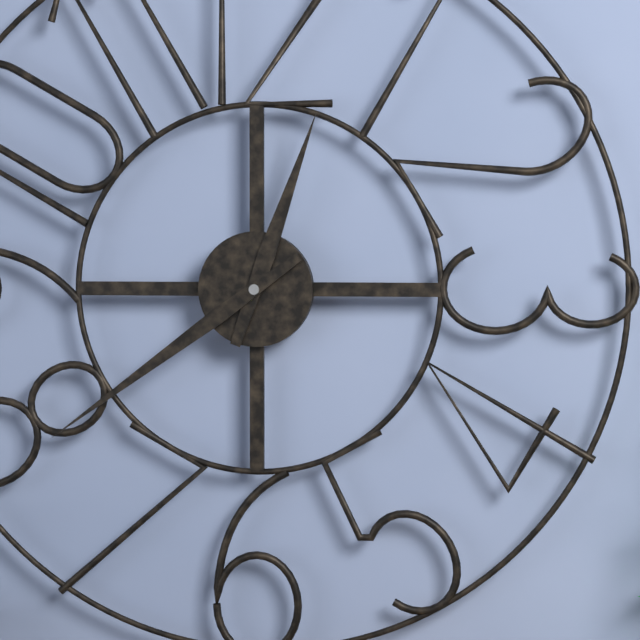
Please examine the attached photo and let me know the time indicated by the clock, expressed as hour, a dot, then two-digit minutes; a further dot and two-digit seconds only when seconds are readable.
12.39
